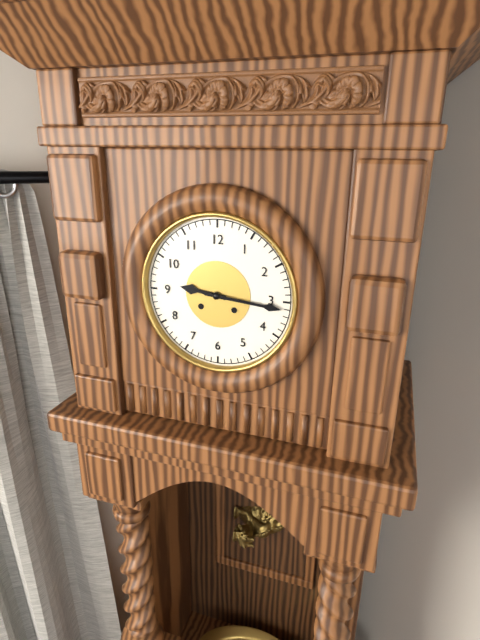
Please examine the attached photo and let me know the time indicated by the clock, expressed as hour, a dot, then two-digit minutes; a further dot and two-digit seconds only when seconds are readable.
9.16
